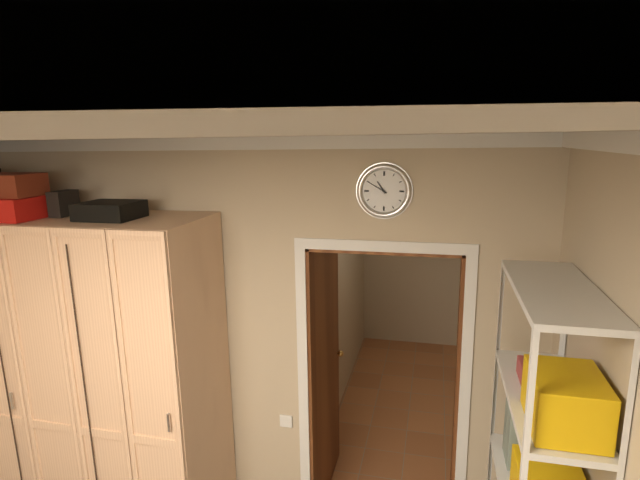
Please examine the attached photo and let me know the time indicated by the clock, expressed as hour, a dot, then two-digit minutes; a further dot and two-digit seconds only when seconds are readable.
10.50
